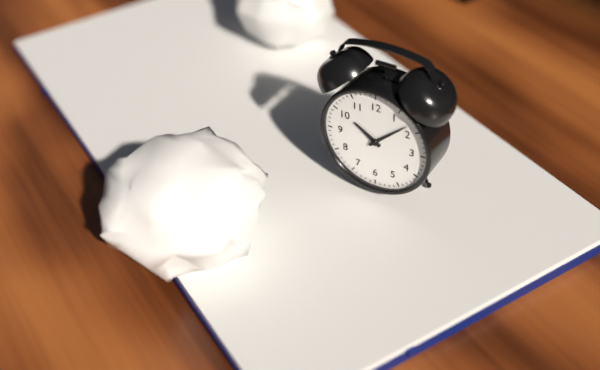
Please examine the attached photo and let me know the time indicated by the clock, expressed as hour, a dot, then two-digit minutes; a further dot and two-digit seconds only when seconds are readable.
10.08
